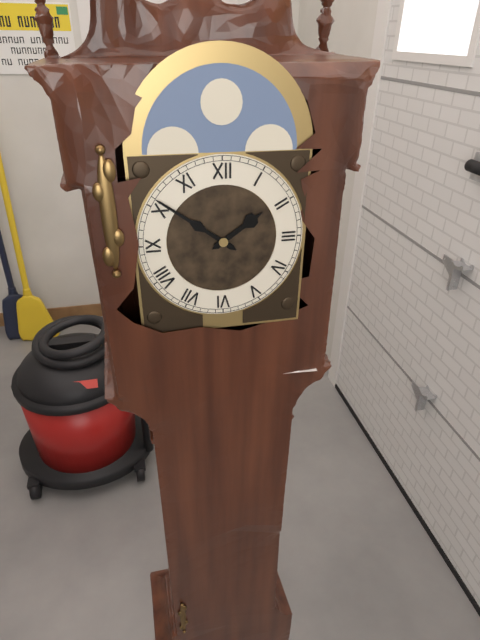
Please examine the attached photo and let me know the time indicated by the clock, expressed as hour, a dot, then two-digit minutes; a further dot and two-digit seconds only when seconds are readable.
1.51
